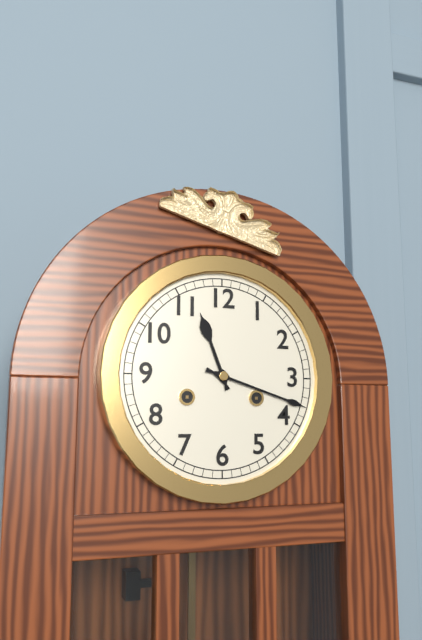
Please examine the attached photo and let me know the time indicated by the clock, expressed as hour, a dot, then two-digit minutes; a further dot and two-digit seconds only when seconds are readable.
11.18
